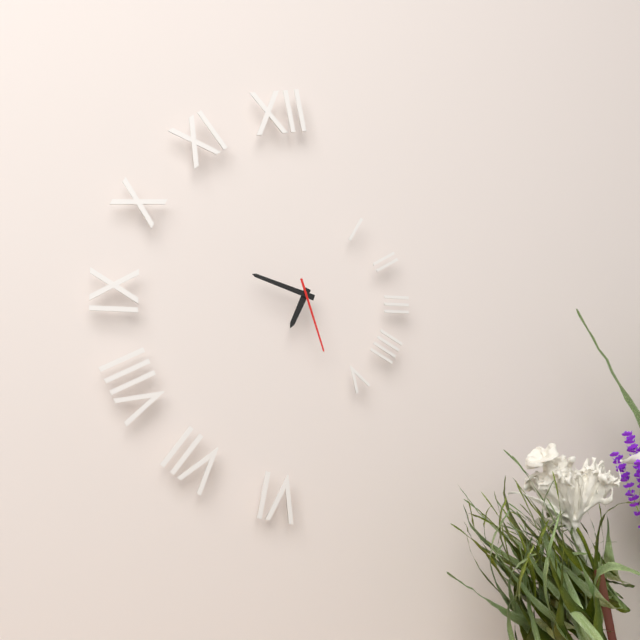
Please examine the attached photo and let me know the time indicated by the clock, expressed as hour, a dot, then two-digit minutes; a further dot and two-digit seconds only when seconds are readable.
6.48.27
